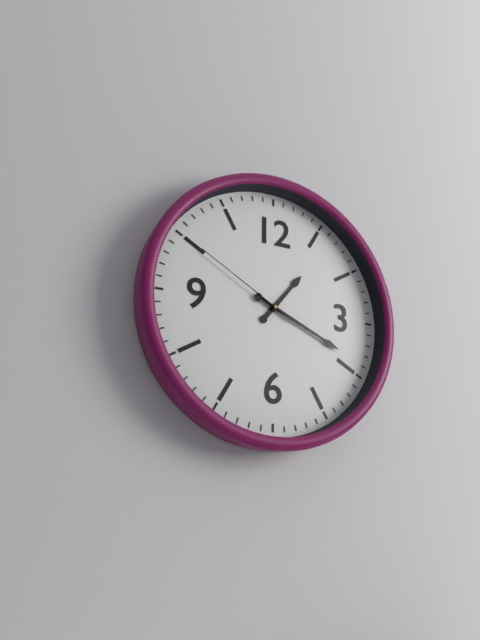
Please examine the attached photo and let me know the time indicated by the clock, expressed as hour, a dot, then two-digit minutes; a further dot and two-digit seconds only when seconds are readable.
1.19.50
